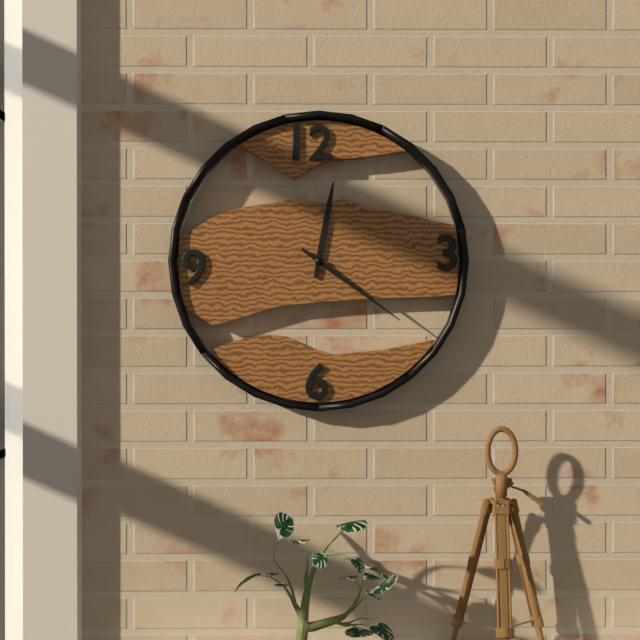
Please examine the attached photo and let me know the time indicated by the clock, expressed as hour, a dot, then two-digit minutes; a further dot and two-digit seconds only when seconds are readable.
12.21
